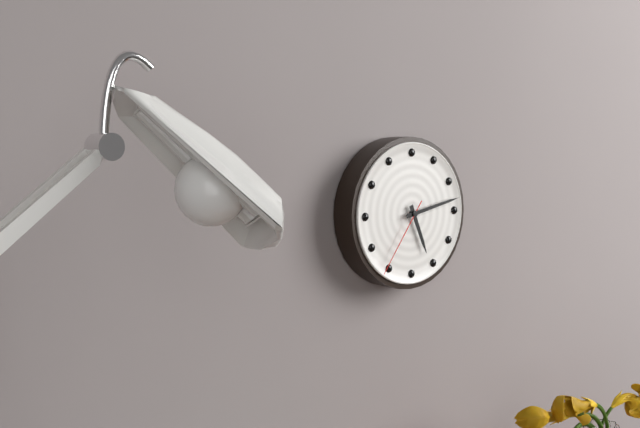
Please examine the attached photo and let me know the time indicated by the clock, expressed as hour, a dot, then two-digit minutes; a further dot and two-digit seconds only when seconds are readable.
5.13.36
